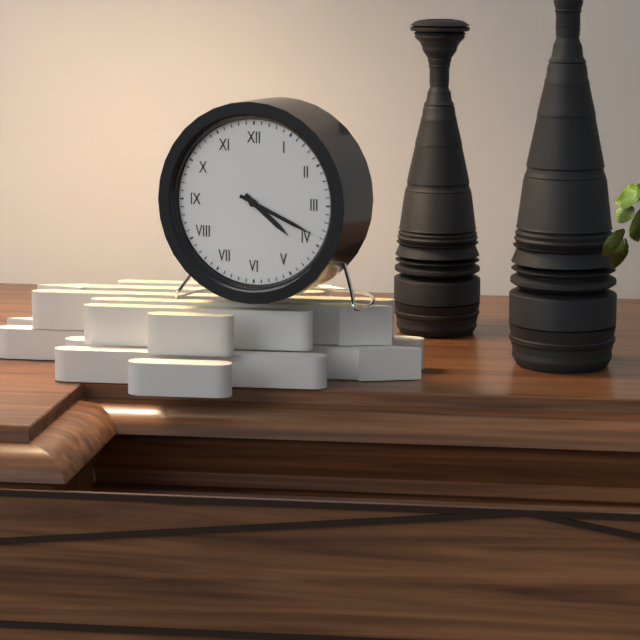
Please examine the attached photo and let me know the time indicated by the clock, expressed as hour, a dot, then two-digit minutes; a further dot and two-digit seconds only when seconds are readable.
4.19
